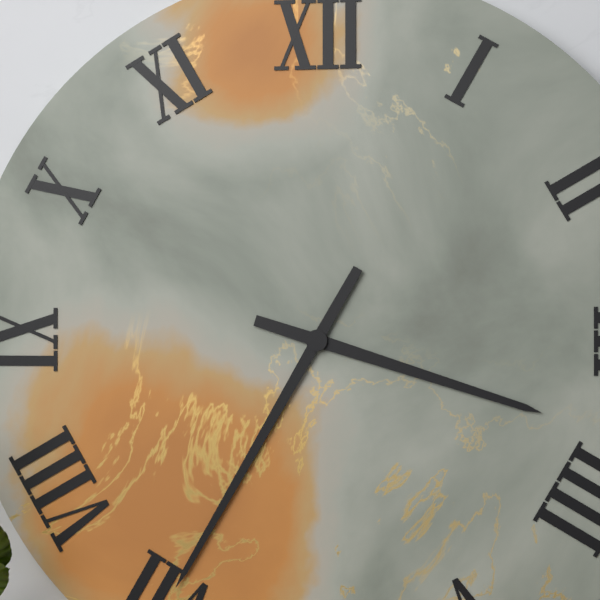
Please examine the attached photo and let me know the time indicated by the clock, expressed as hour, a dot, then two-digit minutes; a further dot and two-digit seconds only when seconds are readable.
3.35
